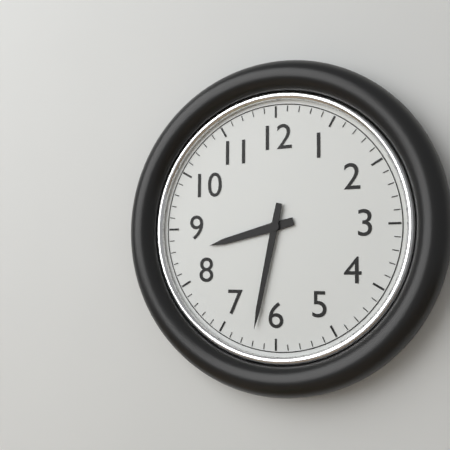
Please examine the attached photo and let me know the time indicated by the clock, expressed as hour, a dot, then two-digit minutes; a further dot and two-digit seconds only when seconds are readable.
8.32
